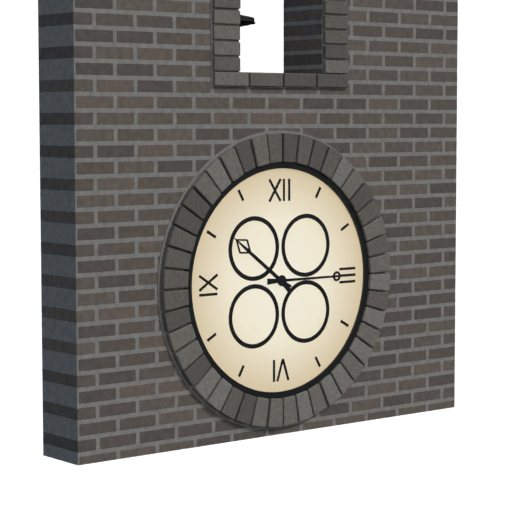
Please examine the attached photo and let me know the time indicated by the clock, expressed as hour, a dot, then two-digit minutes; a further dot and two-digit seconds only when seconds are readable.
10.15
